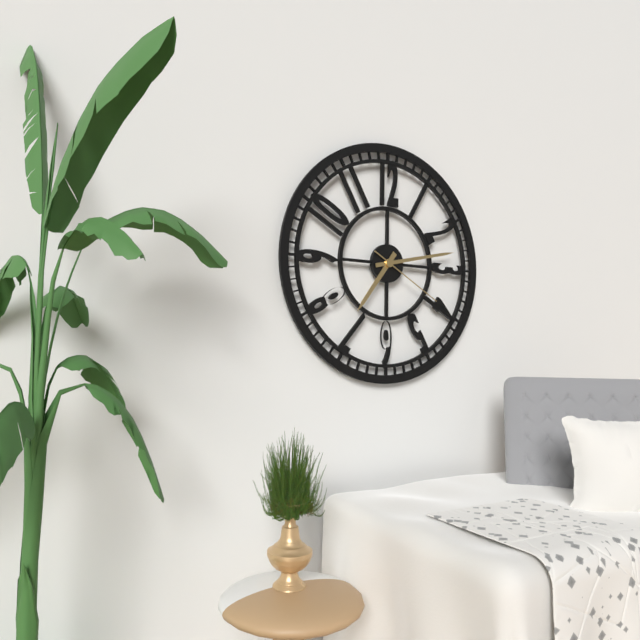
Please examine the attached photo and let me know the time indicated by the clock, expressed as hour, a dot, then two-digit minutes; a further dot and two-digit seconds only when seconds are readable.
7.13.20
